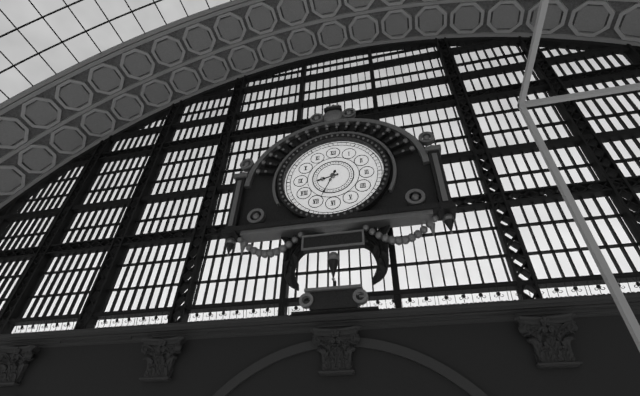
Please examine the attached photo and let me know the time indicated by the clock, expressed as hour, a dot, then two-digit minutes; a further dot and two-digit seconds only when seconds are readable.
8.34
